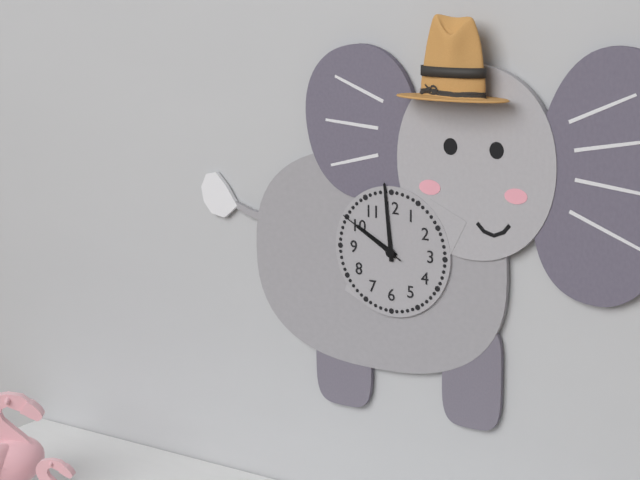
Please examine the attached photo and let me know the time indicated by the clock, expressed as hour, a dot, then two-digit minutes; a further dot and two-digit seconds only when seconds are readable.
9.59.50
